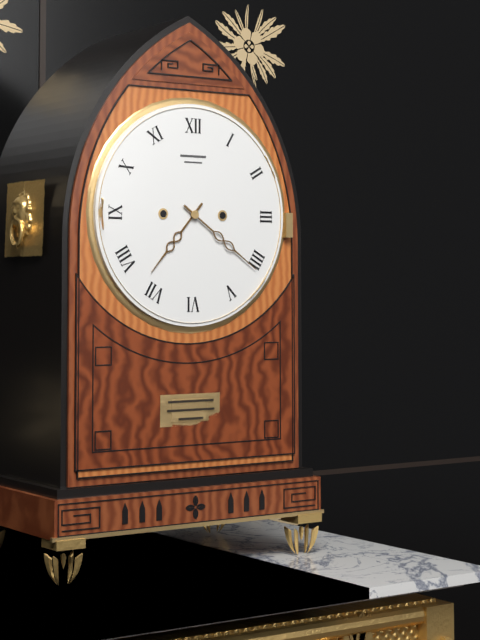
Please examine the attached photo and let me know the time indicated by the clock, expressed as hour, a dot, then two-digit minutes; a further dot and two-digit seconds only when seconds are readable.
7.21
